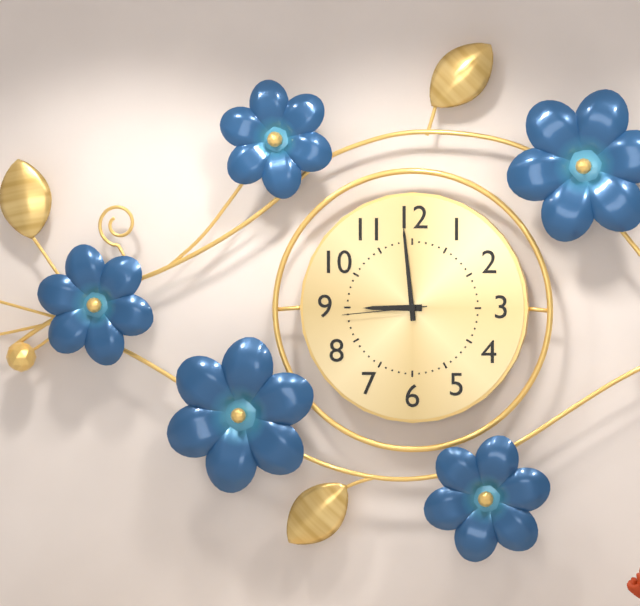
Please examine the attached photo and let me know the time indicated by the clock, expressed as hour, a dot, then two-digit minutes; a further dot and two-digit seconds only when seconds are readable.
8.59.44
